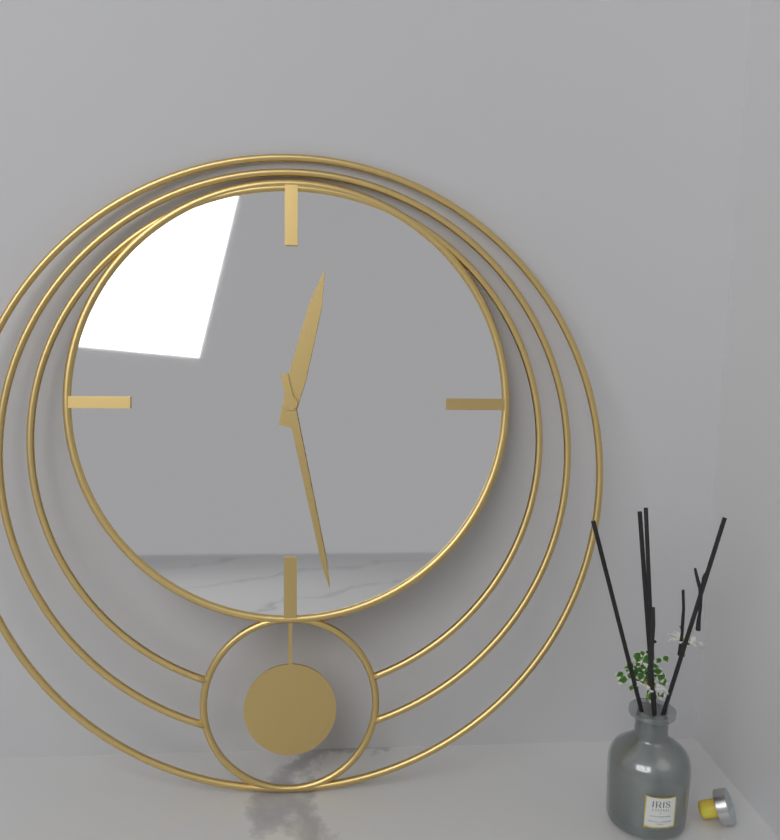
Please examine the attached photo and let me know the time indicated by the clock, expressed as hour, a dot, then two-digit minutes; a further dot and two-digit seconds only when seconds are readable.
12.28
